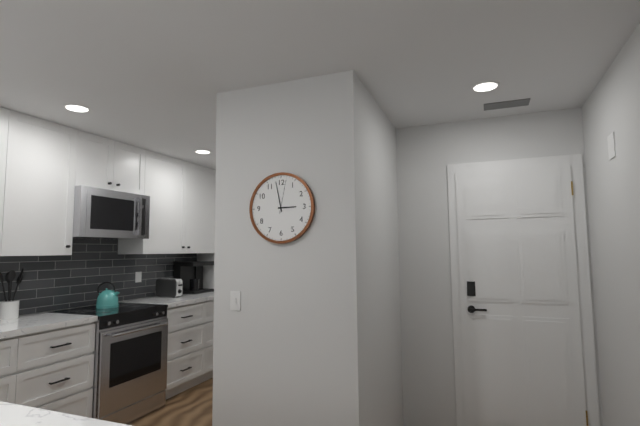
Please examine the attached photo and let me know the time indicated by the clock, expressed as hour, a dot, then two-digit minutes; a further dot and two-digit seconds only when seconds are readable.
2.58
